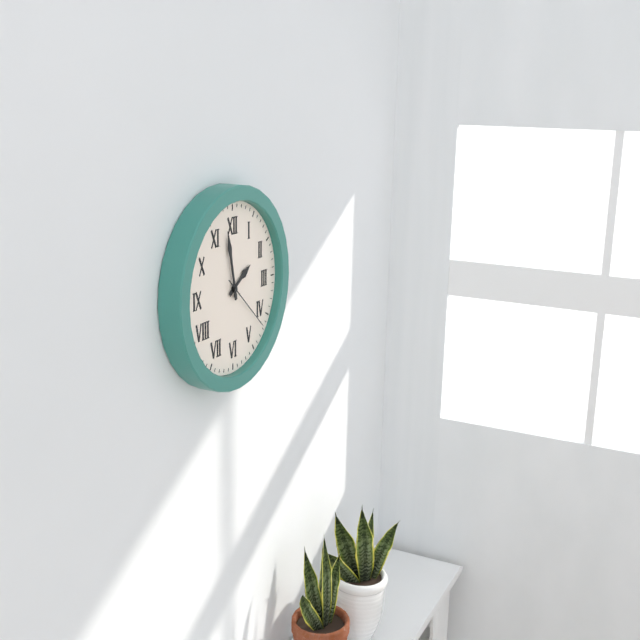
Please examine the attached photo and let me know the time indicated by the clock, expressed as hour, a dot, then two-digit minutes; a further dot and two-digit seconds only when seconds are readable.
1.58.22
